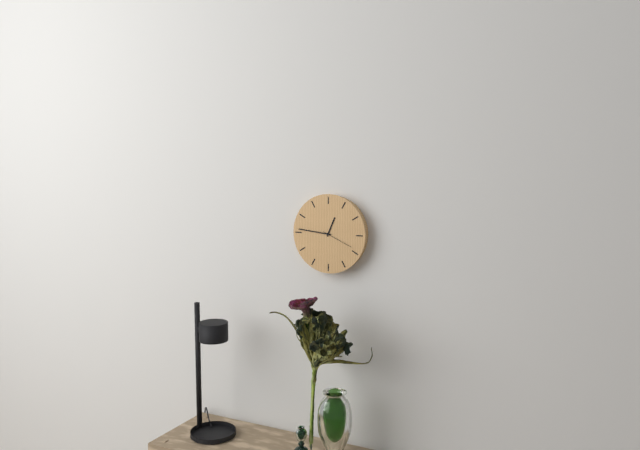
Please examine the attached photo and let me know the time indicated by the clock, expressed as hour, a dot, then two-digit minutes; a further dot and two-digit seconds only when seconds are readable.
12.46
